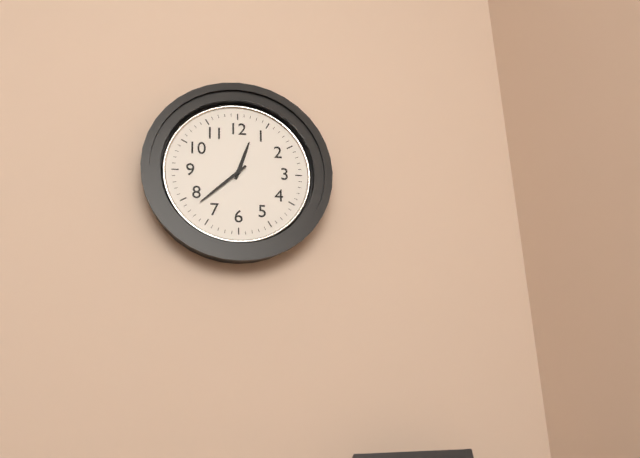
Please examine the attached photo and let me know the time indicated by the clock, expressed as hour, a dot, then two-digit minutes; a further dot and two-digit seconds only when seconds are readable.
12.38
